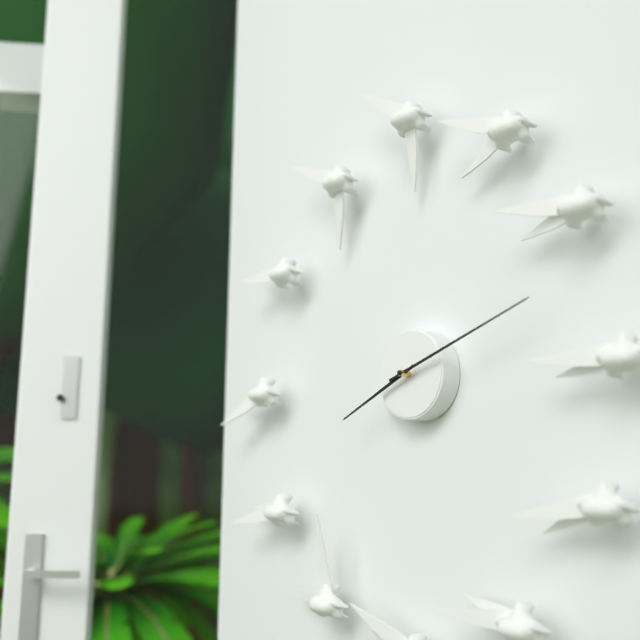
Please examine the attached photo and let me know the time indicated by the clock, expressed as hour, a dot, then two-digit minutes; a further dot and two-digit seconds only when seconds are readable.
8.12
